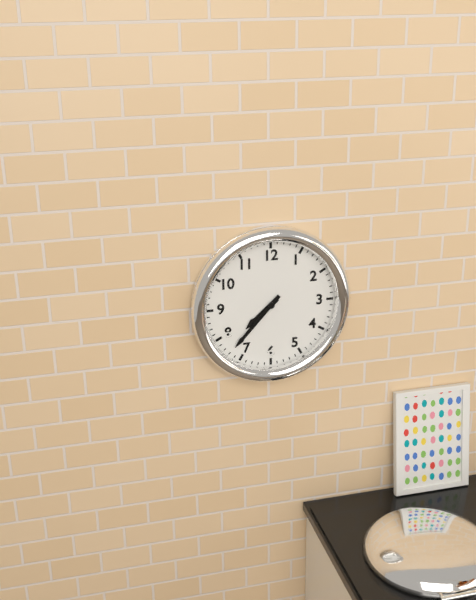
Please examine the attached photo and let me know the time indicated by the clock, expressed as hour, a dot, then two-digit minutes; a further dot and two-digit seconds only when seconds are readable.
7.37
